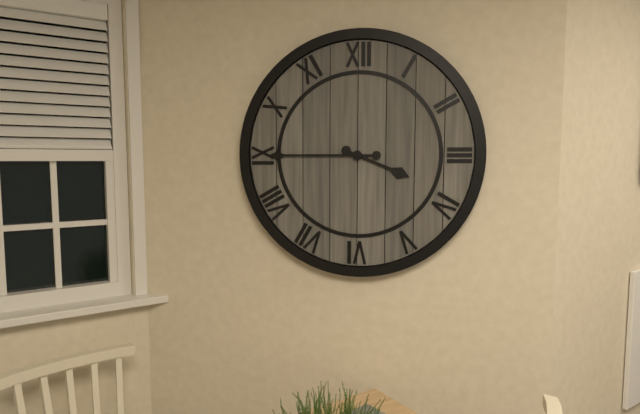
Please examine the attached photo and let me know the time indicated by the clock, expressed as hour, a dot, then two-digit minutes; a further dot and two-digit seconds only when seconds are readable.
3.45
